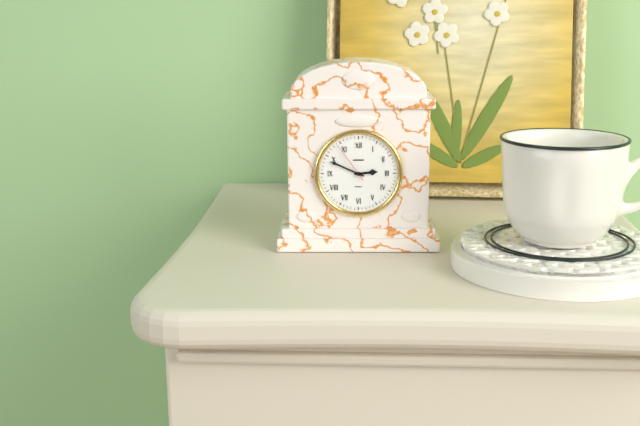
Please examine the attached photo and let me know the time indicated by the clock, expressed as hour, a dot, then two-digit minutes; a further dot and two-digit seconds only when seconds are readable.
2.49
